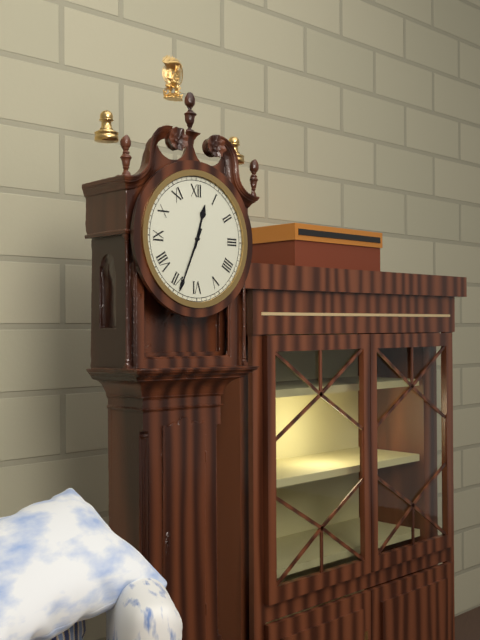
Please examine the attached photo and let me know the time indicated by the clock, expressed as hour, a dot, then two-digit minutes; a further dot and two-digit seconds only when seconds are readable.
12.34
